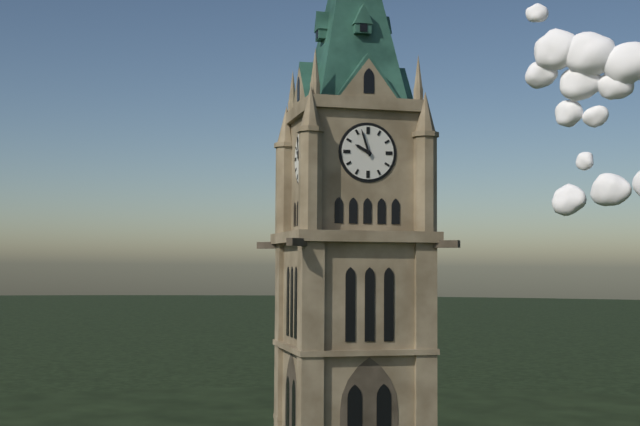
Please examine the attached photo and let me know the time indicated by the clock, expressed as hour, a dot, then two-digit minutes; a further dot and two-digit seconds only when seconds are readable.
9.57
